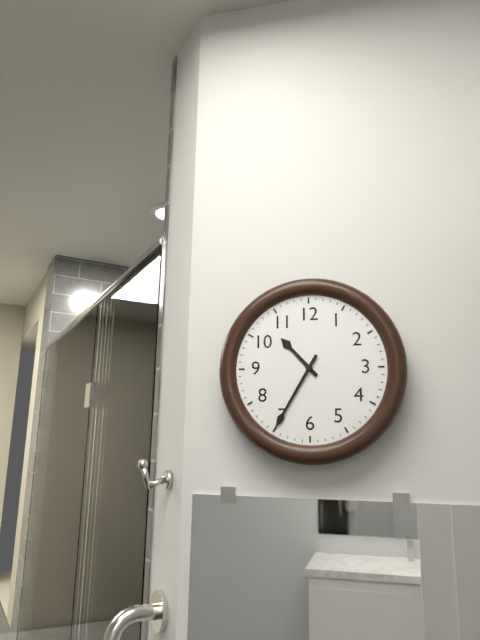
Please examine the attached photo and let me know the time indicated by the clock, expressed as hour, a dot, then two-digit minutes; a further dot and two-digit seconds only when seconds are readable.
10.35
